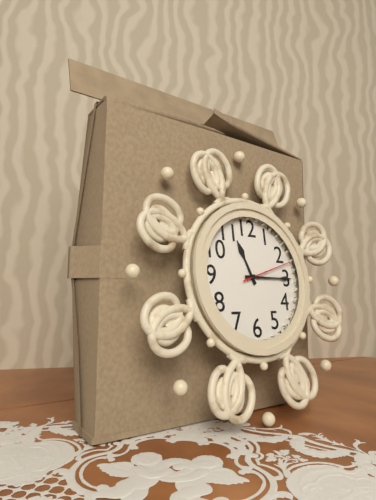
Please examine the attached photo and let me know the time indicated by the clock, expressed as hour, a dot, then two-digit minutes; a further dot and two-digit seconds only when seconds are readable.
11.15.12
